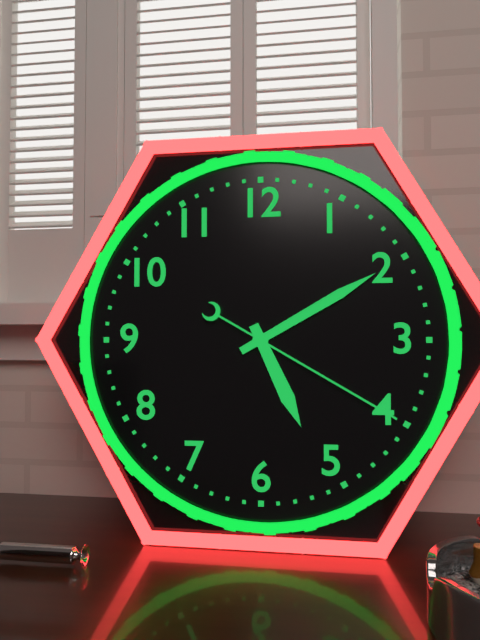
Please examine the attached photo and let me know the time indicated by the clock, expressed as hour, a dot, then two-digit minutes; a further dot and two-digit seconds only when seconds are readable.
5.10.20
